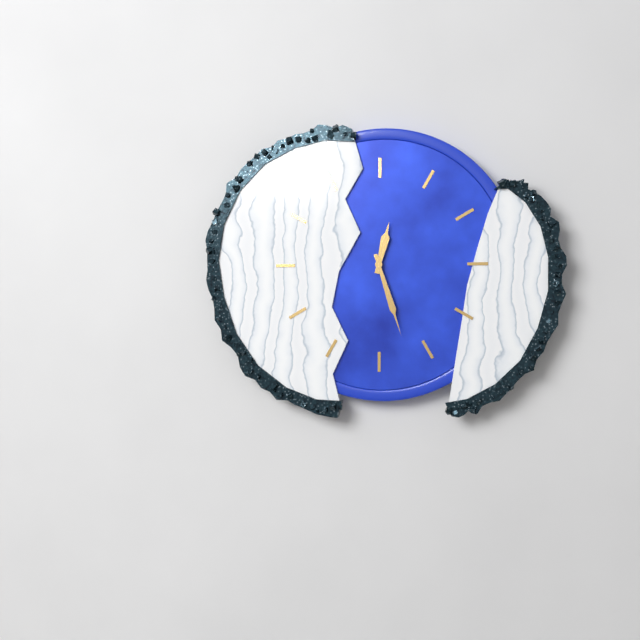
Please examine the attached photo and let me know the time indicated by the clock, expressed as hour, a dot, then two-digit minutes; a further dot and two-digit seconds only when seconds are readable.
12.27
